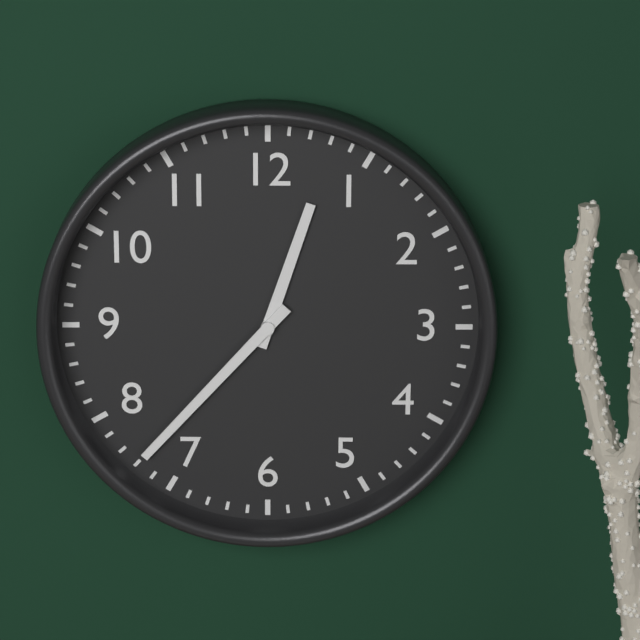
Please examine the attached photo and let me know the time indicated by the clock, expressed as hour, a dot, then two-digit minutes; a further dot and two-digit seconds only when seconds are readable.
12.37
